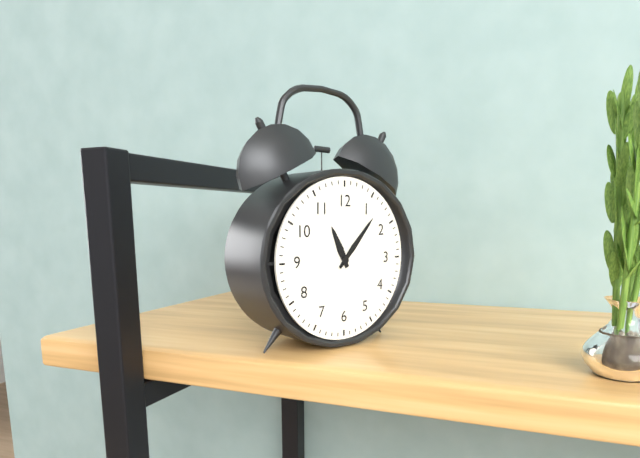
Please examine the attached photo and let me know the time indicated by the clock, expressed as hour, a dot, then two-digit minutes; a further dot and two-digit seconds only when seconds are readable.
11.07
